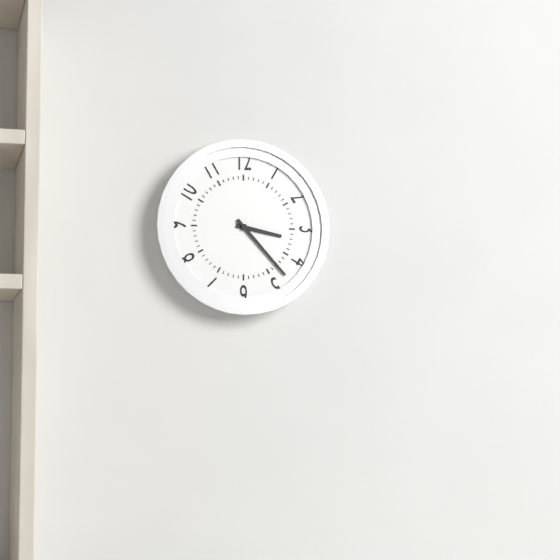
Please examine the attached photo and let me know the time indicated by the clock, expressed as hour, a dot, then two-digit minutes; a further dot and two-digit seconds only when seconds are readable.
3.23
